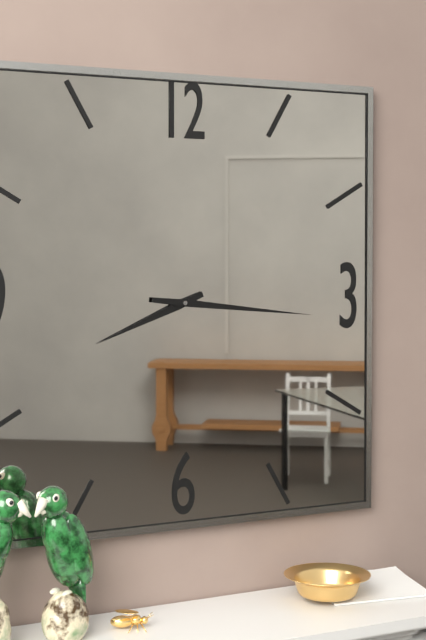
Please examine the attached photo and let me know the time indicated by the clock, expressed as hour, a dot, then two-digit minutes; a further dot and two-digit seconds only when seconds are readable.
8.16
